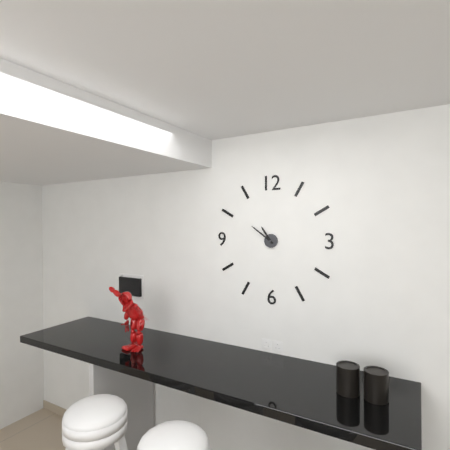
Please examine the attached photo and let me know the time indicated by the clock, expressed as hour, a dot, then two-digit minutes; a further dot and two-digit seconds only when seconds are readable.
10.51
